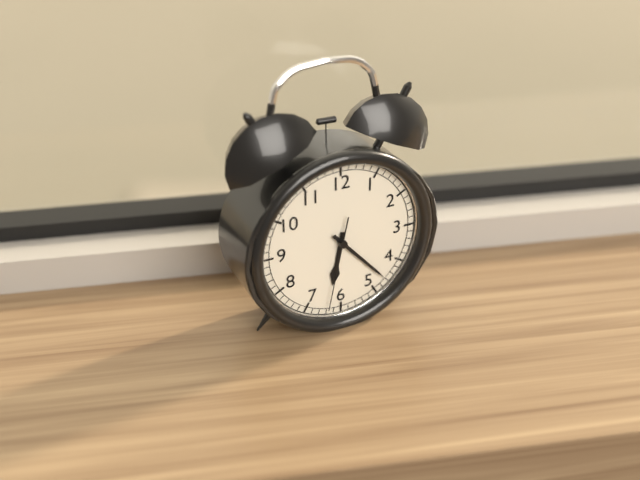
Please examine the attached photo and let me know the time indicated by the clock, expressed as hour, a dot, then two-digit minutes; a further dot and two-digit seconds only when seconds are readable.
6.23.32
